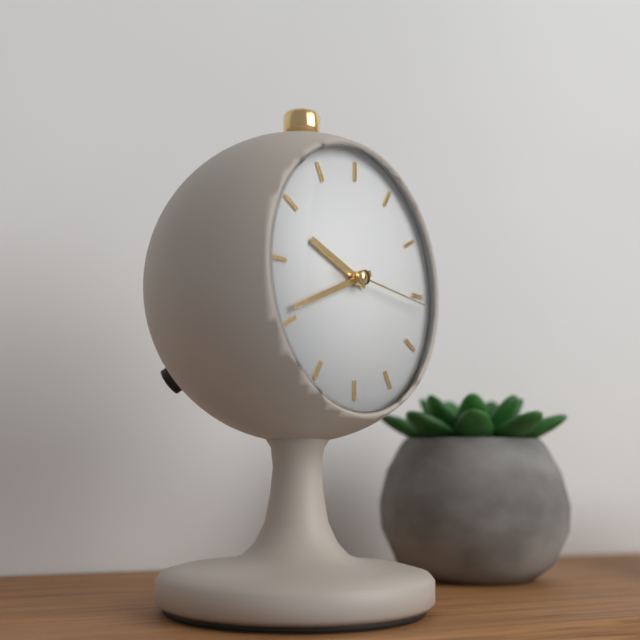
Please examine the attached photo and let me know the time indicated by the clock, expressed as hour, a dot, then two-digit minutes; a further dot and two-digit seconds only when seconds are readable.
9.41.16
